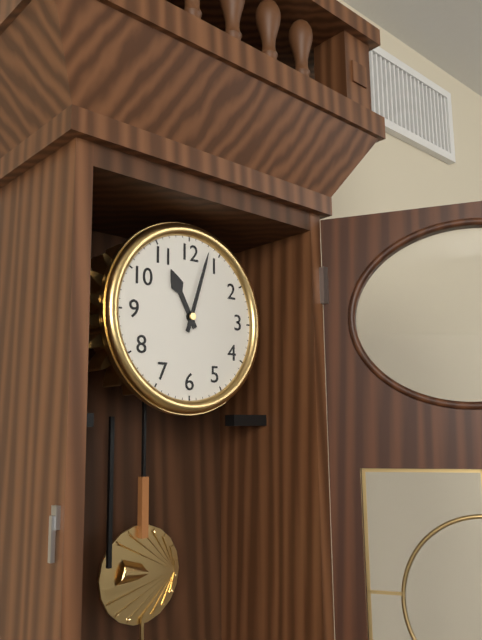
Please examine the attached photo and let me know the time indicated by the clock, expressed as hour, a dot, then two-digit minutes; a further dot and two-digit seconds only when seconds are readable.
11.03
